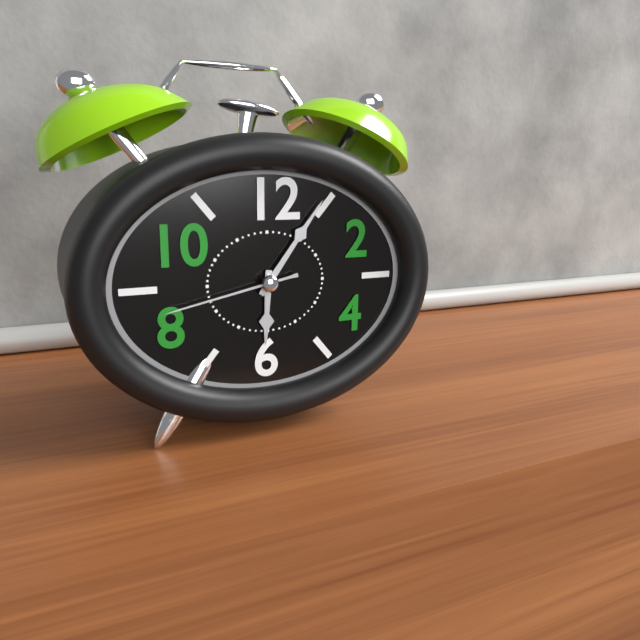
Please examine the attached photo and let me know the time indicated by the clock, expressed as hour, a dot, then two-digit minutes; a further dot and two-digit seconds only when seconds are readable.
6.06.43
